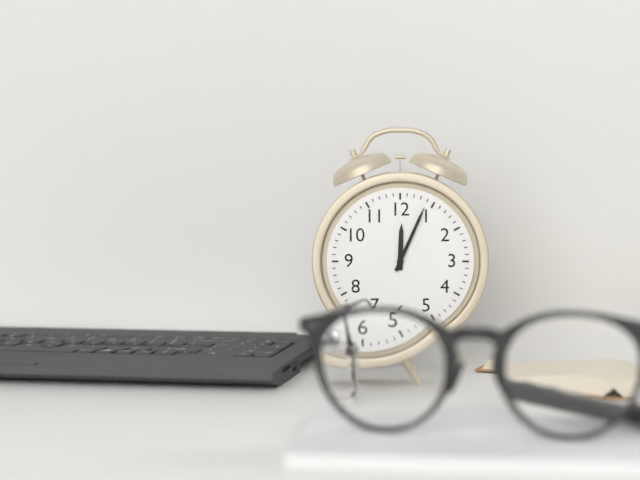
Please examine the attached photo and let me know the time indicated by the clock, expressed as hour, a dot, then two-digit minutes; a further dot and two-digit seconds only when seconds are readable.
12.04
